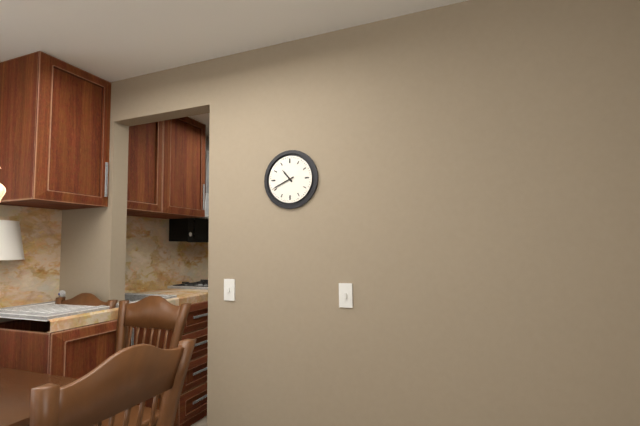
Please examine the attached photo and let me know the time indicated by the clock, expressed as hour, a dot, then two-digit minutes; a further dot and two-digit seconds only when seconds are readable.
10.41
